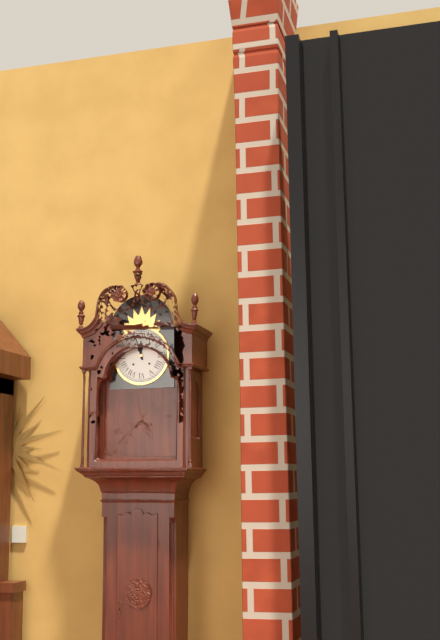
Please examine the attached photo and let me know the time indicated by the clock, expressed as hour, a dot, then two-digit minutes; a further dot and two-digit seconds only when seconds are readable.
11.57
